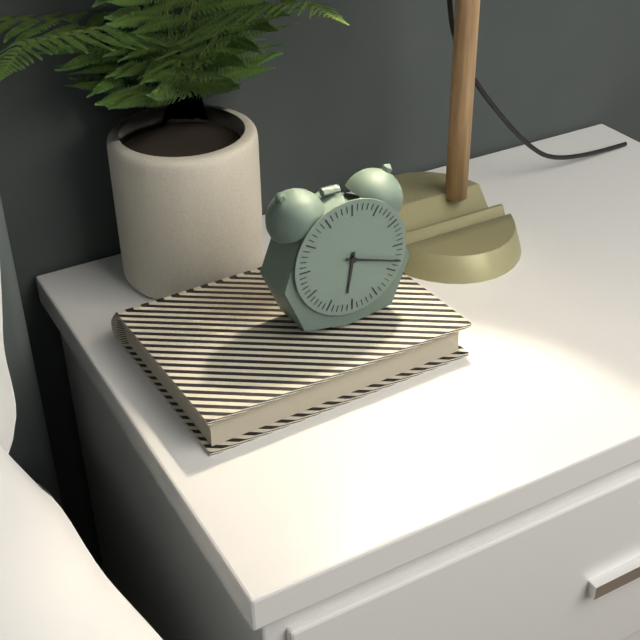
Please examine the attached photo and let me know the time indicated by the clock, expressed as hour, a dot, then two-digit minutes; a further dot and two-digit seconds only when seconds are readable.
6.18
